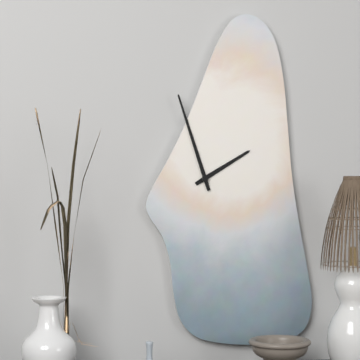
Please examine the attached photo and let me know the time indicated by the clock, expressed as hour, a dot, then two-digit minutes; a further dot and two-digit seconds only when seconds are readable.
1.57
